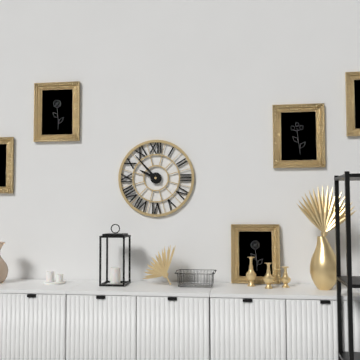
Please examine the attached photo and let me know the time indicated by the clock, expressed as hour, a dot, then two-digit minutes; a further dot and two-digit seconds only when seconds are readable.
9.53
